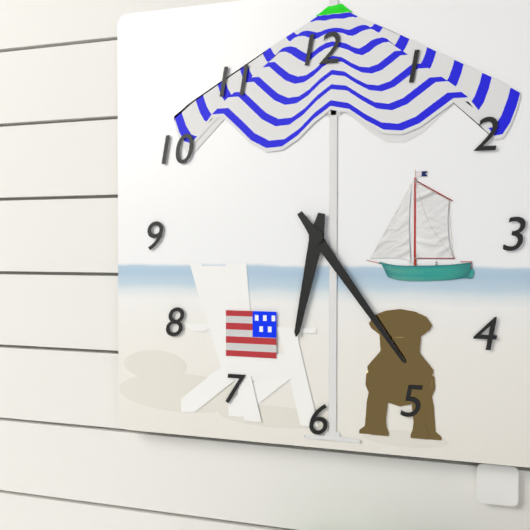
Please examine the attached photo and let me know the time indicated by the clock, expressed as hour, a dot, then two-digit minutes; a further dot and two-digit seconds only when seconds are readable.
6.24
